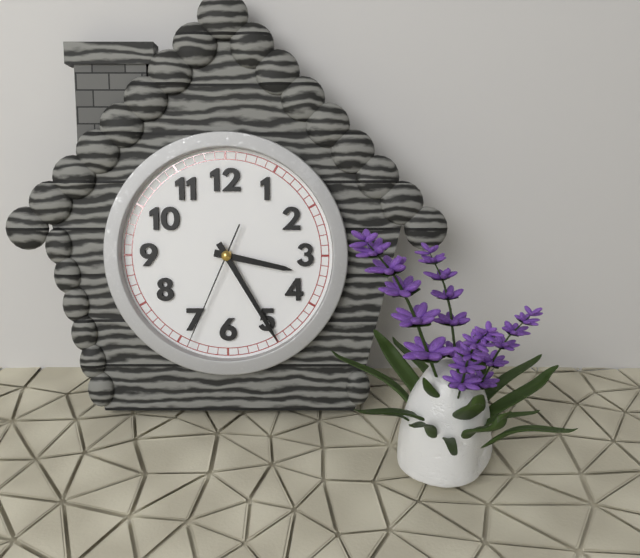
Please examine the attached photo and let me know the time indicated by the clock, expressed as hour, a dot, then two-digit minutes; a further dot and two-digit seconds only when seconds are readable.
3.25.34
